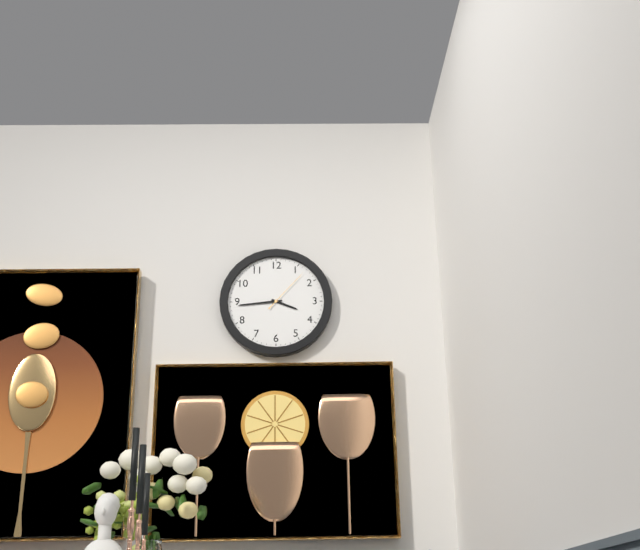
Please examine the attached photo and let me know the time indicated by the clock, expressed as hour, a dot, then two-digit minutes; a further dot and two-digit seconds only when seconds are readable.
3.44
